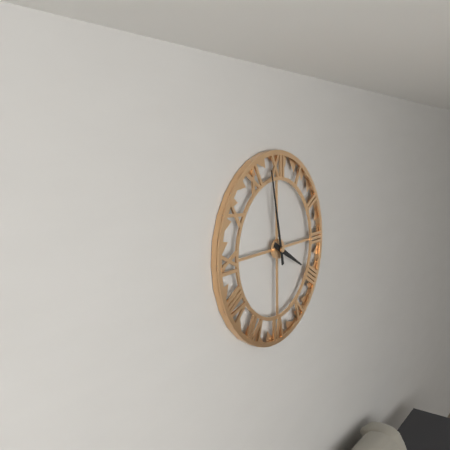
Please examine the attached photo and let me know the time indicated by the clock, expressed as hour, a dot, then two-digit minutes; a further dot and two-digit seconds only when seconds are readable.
3.58
